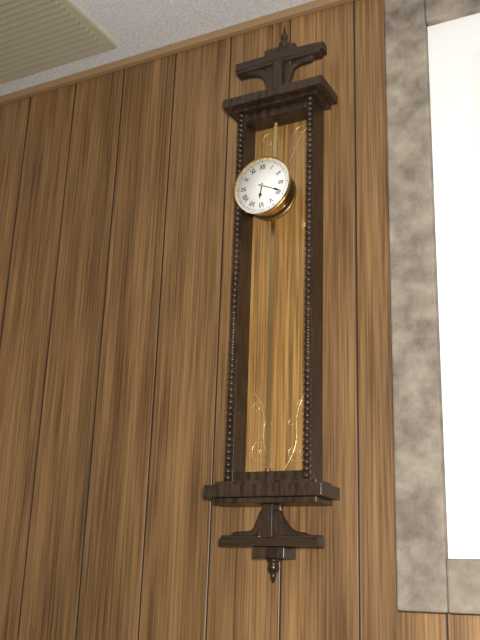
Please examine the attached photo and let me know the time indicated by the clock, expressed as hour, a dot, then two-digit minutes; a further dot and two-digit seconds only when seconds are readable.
6.19
